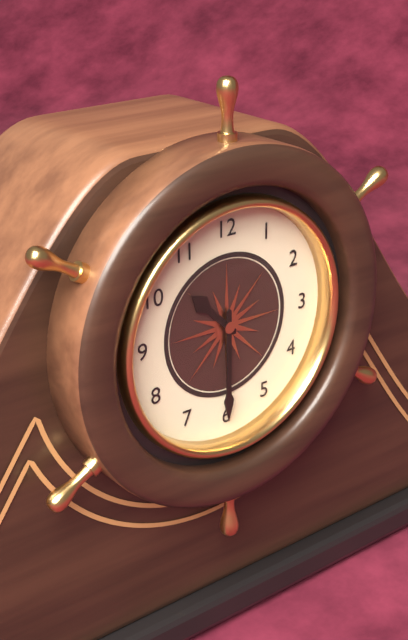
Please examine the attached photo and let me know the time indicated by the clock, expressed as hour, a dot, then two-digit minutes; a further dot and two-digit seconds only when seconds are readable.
10.30
